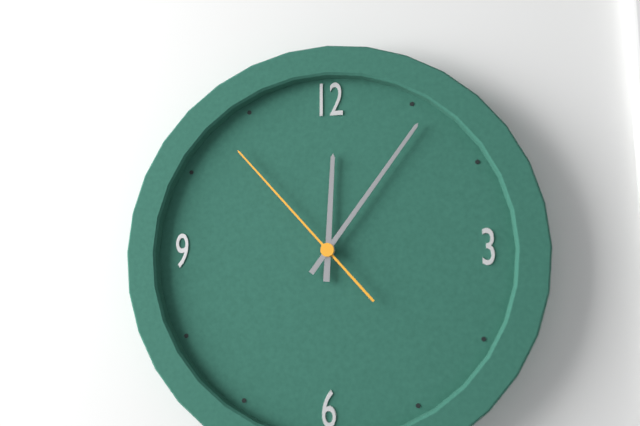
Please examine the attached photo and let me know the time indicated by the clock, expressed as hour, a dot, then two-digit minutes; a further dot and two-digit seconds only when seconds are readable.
12.06.53
